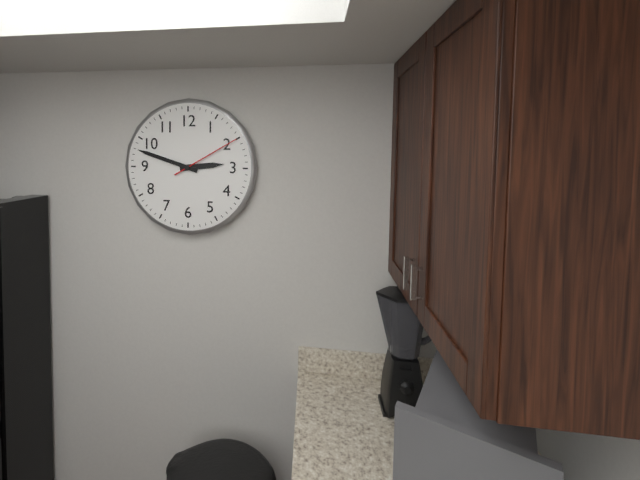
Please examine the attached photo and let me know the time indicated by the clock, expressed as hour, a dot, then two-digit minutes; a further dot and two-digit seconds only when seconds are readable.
2.48.10
